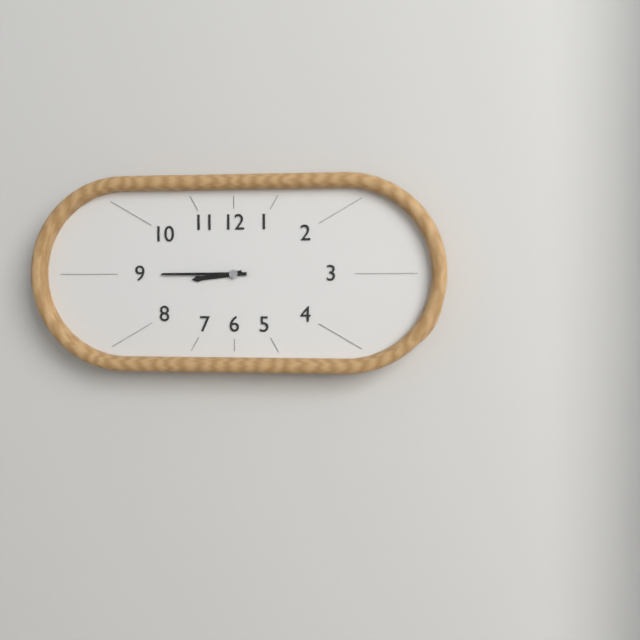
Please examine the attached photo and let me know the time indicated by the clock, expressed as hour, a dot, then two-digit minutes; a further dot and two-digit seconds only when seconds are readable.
8.45
